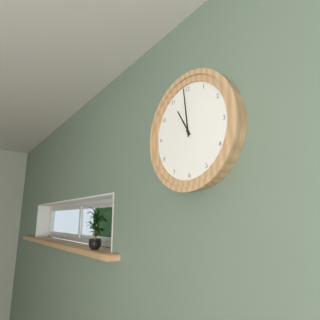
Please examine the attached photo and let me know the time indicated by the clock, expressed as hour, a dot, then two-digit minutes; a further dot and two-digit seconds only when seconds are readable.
10.59
